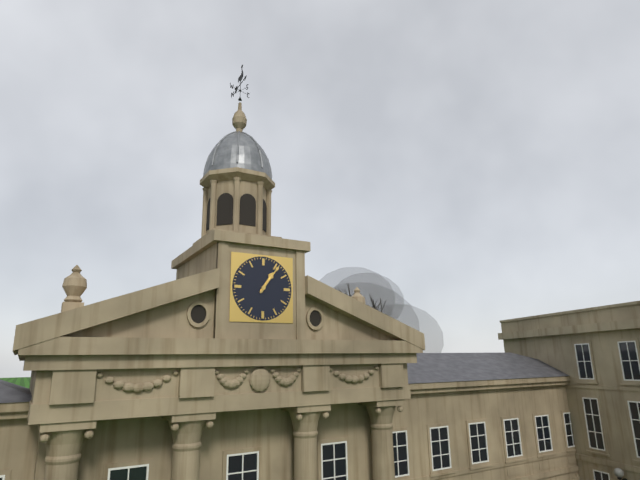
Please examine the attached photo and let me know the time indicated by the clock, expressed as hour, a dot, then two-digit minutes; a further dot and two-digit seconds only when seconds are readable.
1.06
